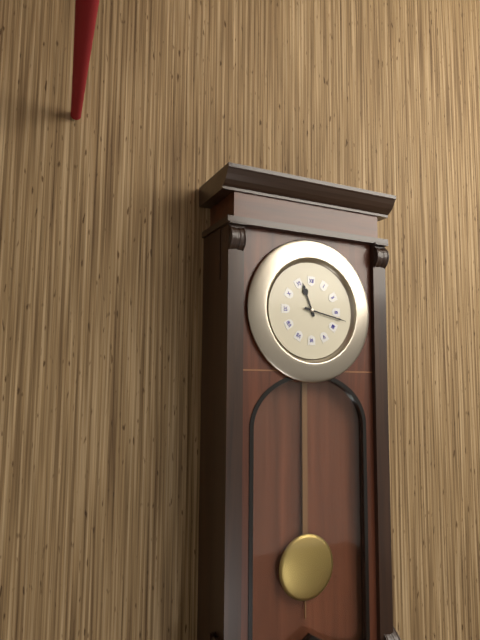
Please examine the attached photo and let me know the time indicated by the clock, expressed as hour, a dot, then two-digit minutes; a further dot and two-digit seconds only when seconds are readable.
11.17
